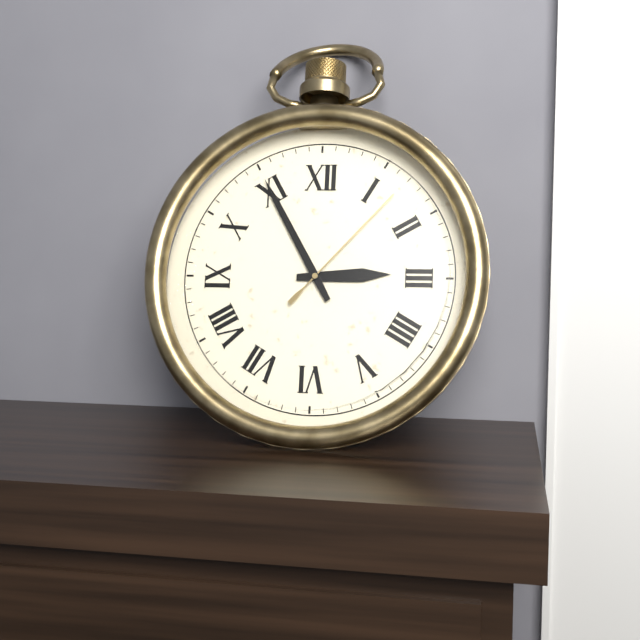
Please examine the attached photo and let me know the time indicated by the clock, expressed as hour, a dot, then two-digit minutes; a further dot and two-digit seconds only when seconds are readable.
2.55.07
